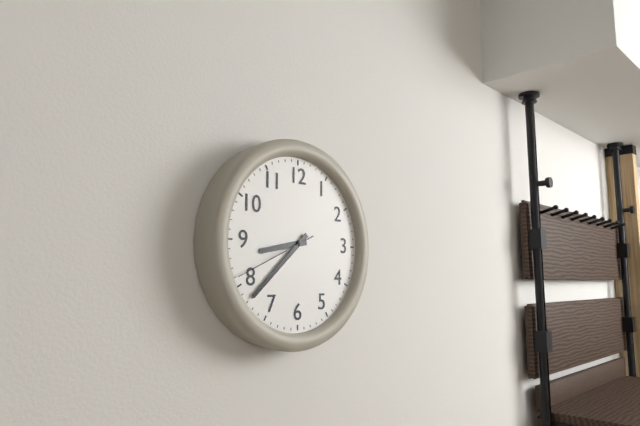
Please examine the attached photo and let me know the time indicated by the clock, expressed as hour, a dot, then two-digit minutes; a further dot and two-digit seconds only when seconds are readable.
8.38.41
